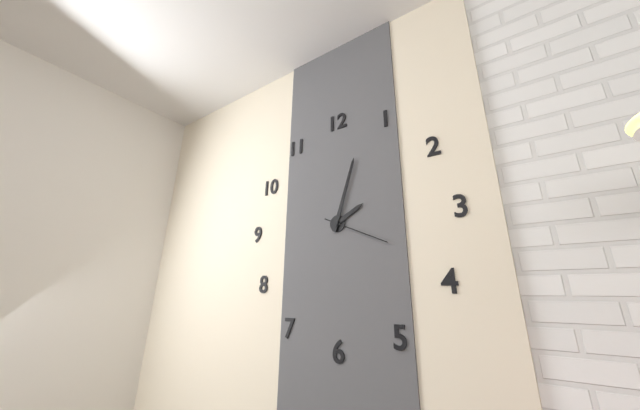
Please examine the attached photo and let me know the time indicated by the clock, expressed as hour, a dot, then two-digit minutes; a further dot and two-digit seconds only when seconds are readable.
2.03.19
